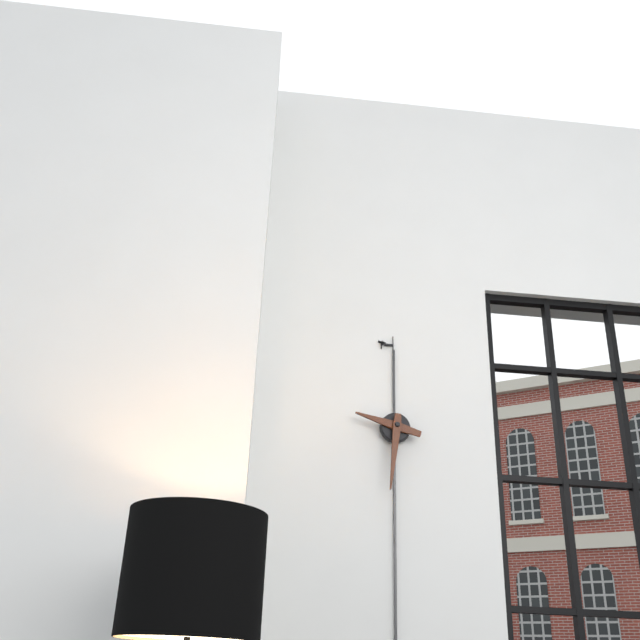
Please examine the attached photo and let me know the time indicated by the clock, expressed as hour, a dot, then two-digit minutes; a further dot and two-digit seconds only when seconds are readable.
9.31
